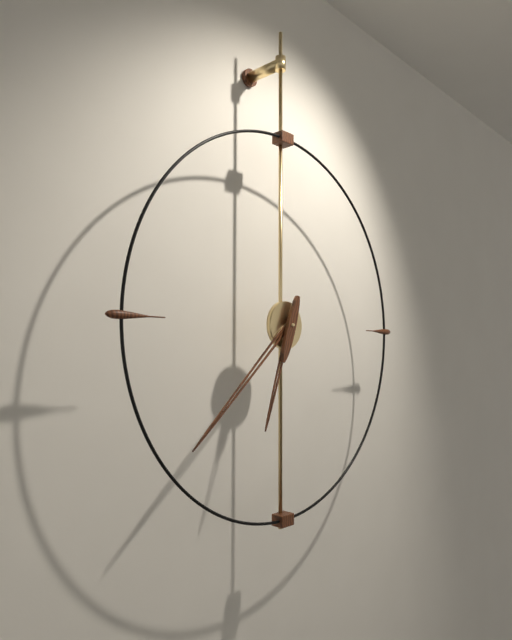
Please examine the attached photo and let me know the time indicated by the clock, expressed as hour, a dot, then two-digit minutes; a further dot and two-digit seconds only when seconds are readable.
6.38
